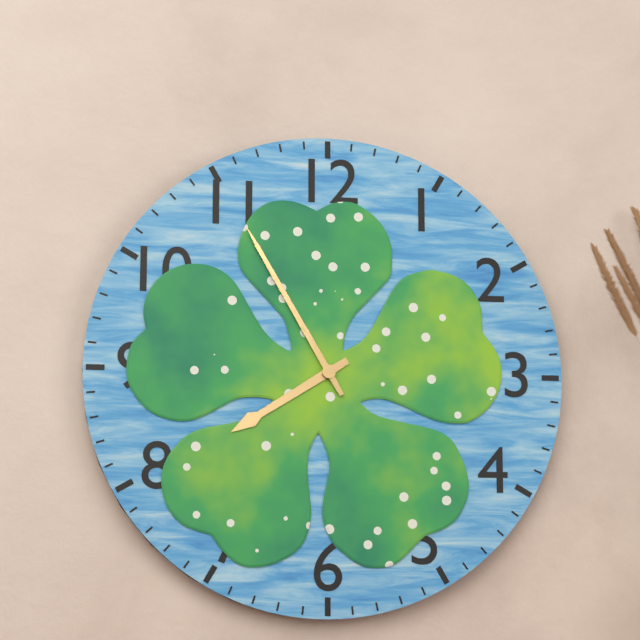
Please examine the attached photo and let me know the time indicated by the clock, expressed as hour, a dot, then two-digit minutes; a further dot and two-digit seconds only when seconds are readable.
7.55
